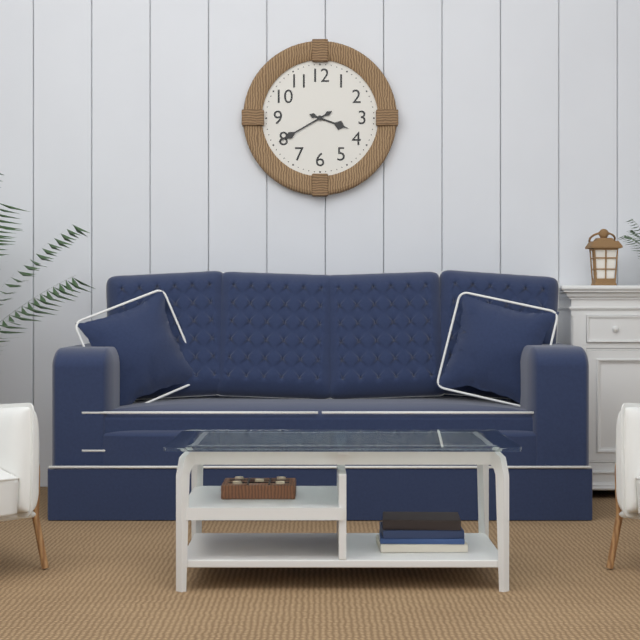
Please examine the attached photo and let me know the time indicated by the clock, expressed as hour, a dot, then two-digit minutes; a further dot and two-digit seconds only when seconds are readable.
3.40
